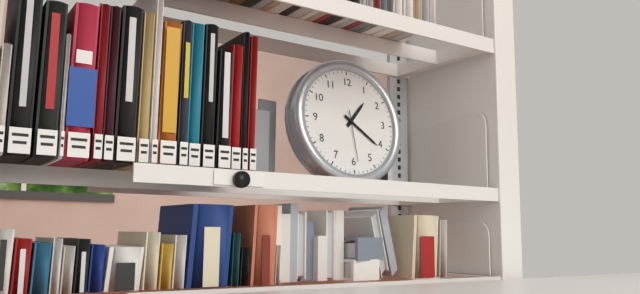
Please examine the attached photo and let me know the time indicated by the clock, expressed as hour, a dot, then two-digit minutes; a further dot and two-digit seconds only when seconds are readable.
1.21.29
